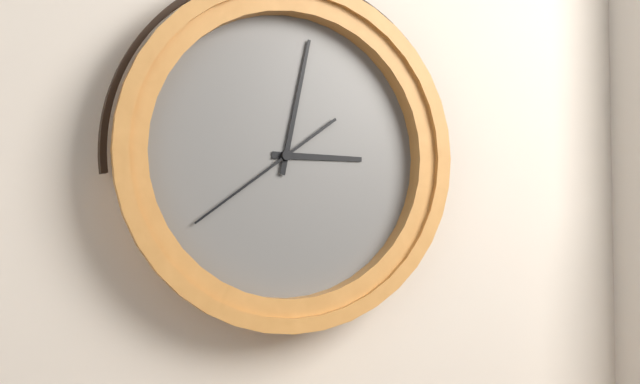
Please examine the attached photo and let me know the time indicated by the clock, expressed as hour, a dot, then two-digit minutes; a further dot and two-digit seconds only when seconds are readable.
3.02.39
